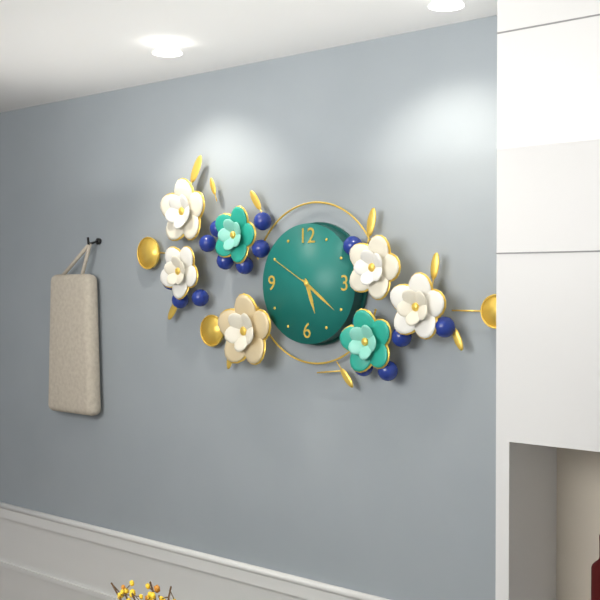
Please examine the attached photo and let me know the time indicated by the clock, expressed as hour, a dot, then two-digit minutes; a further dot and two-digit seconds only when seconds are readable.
5.21.50
